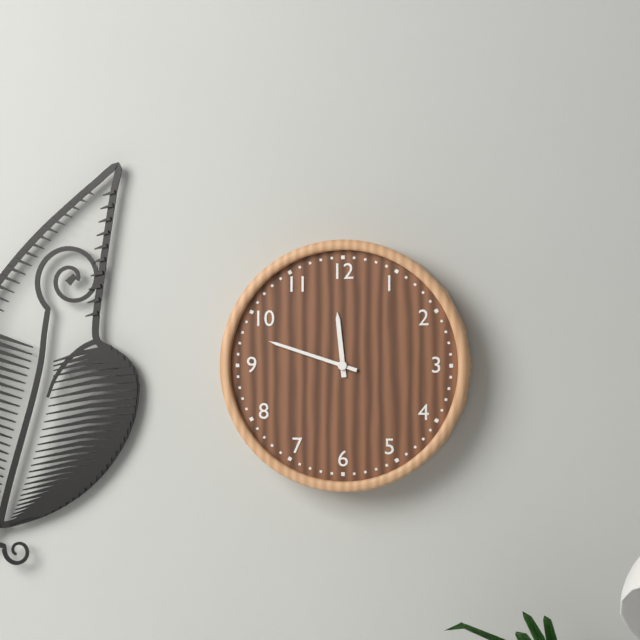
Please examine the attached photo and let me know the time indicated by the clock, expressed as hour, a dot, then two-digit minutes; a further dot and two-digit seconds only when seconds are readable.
11.48
